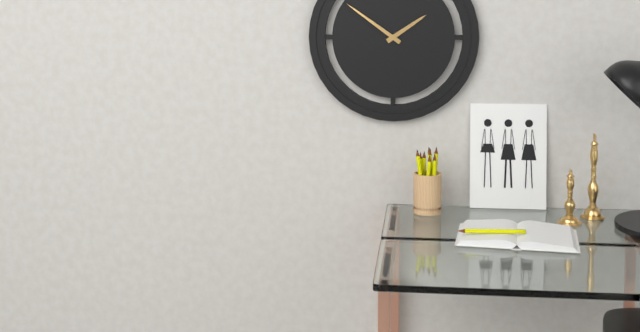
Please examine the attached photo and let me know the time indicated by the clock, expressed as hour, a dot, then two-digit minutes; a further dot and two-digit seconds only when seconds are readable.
1.51
